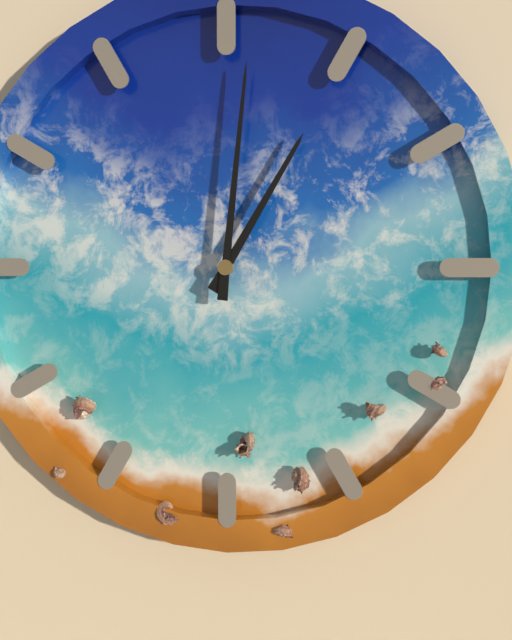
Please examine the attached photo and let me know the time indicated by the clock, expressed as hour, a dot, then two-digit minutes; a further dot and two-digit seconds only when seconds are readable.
1.01
